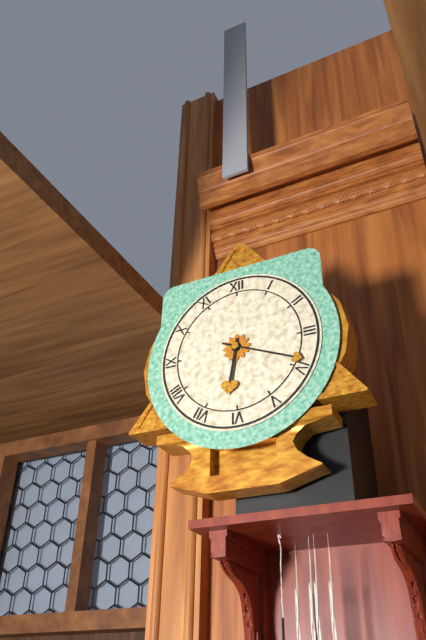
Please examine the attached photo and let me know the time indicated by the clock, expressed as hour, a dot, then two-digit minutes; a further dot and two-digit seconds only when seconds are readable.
6.19
